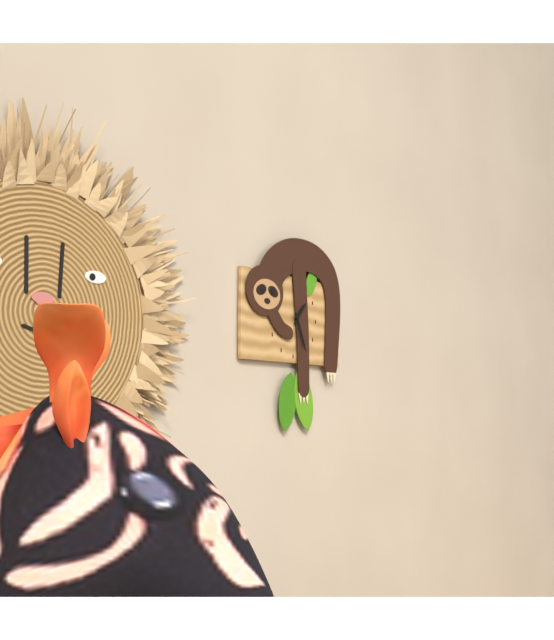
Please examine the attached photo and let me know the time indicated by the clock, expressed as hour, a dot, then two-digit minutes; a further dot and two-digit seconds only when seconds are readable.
1.26
